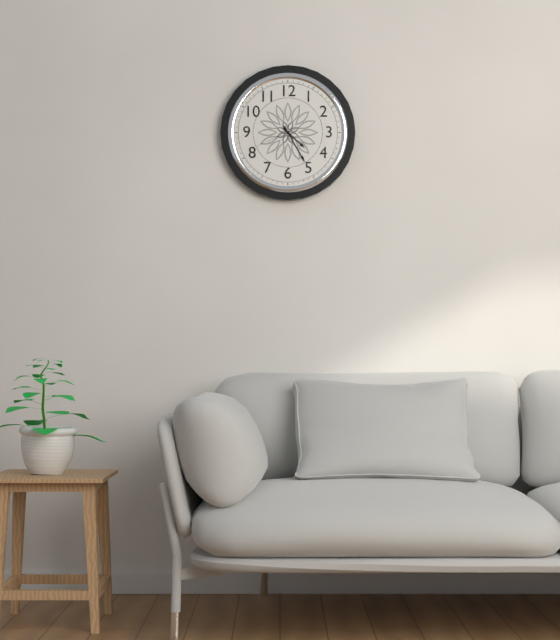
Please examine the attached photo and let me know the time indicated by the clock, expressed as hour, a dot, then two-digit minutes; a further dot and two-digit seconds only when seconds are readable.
4.25
